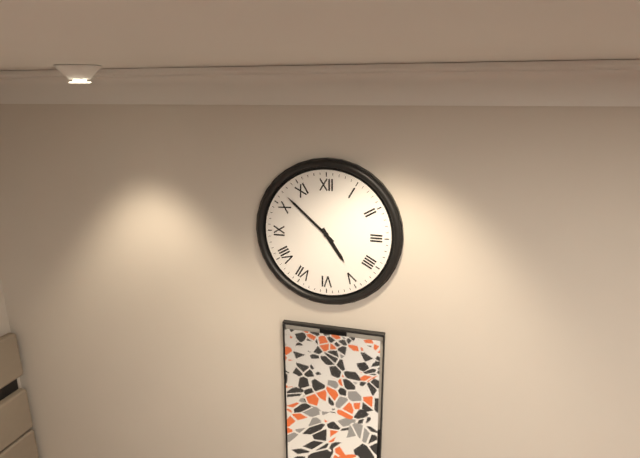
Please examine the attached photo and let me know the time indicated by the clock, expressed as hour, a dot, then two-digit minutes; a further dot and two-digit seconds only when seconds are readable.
4.52
